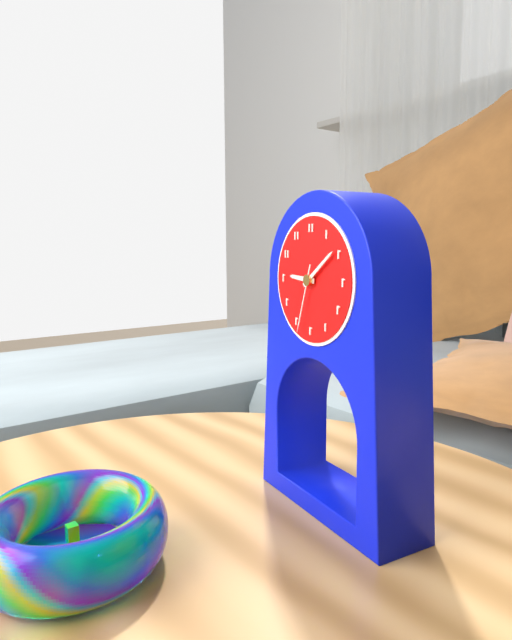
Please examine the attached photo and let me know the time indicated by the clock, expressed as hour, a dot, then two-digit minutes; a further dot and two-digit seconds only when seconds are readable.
9.09.33
